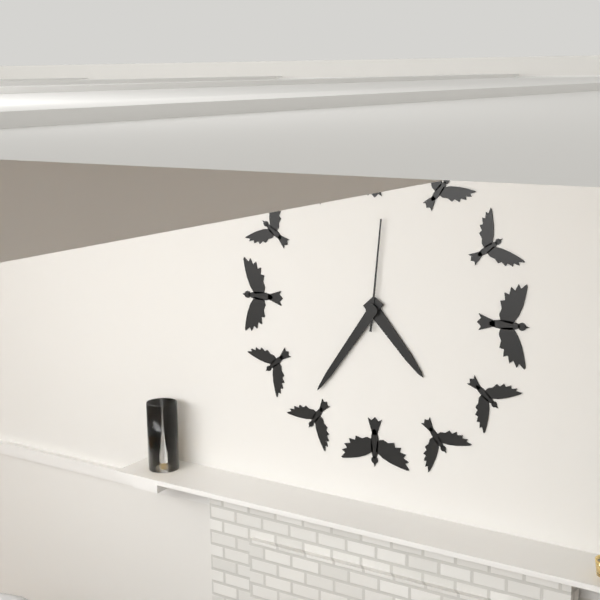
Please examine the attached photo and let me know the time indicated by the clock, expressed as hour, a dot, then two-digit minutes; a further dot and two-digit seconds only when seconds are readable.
4.36.01
